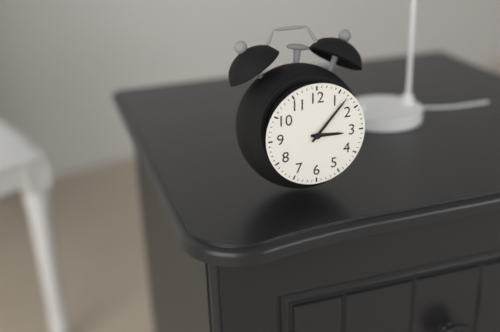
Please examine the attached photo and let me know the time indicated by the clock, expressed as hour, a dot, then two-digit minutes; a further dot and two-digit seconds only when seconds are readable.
3.07
